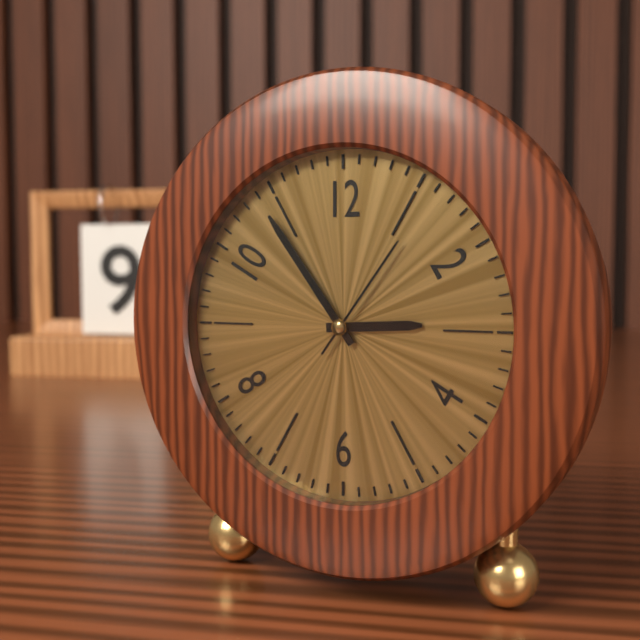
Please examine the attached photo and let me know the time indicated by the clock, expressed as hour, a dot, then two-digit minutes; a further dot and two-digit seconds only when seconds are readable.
2.54.06
